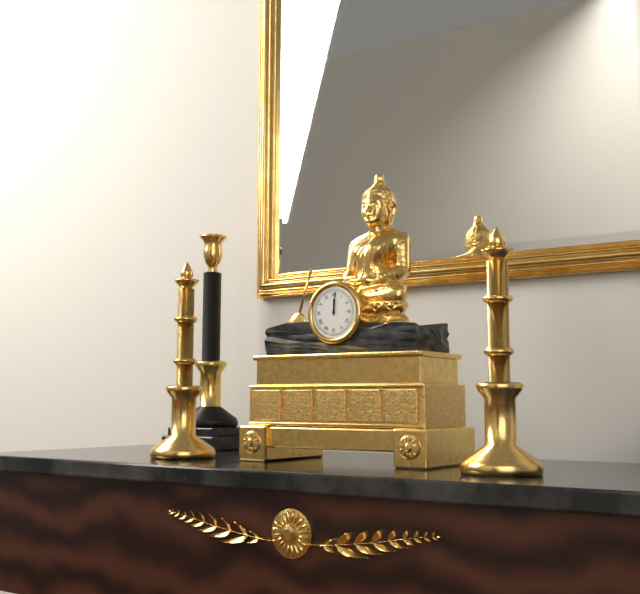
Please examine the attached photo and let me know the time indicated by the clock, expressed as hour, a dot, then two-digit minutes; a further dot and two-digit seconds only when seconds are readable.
12.01
